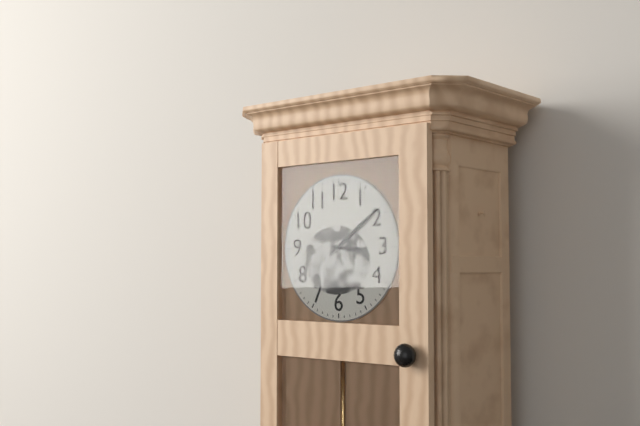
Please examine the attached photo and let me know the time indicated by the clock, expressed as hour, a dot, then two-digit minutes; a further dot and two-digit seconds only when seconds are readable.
3.09
